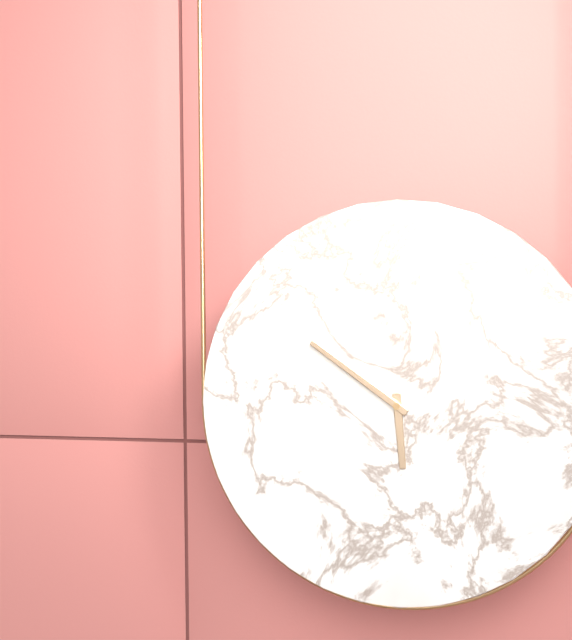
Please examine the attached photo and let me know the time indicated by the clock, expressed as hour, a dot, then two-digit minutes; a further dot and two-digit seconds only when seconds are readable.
5.51
